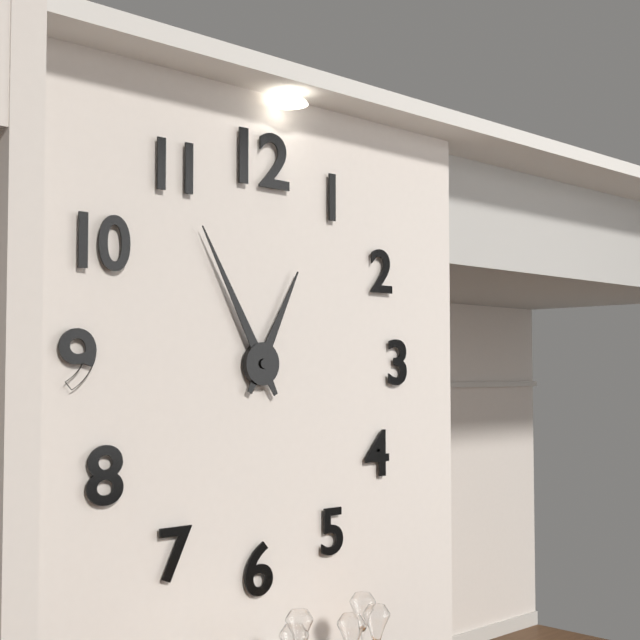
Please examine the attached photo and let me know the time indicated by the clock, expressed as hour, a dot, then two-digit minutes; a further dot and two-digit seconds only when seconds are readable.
12.55
